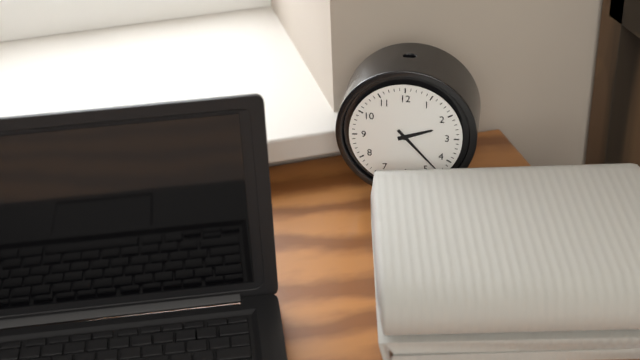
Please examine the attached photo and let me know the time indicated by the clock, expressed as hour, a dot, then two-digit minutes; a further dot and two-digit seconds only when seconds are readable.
2.23
